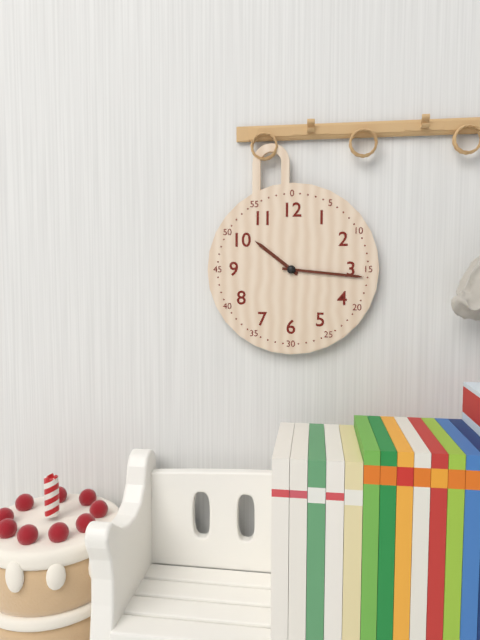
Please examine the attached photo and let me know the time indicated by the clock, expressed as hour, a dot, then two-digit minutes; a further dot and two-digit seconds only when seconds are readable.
10.16
